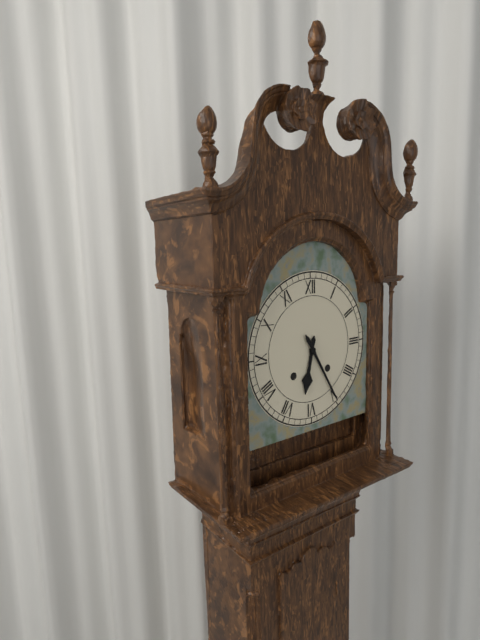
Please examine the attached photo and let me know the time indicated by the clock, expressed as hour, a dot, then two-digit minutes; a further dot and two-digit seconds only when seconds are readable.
6.25
